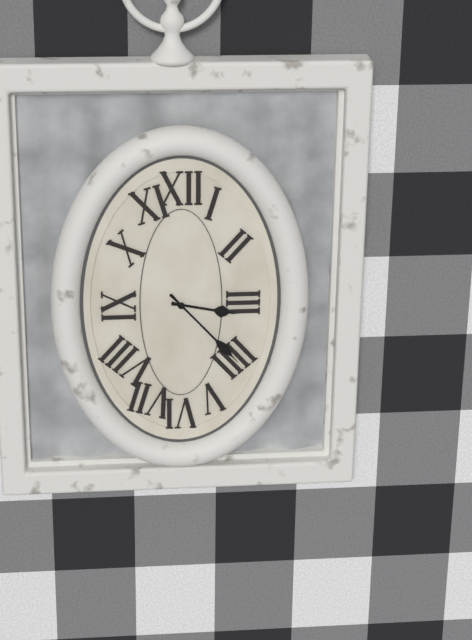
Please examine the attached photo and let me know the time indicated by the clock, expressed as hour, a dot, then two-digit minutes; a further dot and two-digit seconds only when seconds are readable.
3.23
